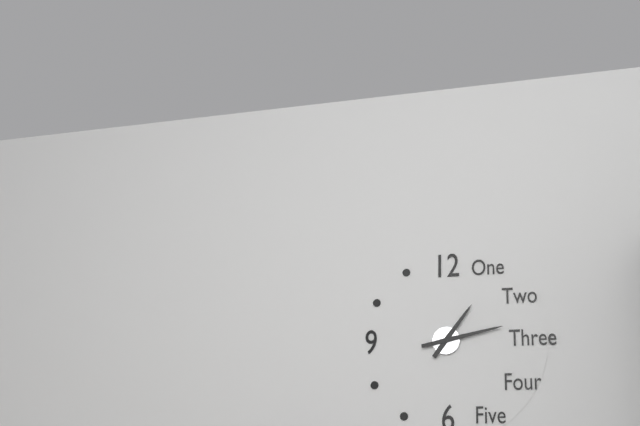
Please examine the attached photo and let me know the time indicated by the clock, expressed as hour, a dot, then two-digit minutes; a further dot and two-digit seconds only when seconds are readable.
1.13
